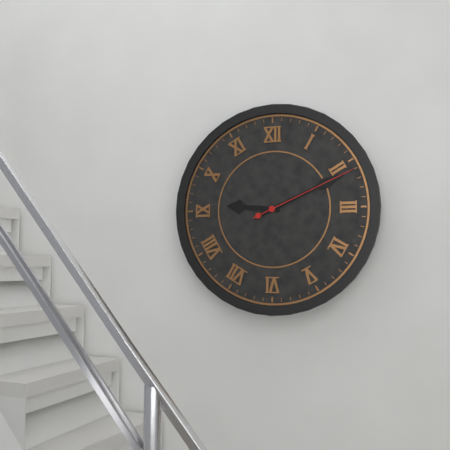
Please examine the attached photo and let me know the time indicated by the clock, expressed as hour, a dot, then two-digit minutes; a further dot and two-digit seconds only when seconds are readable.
9.11.11
